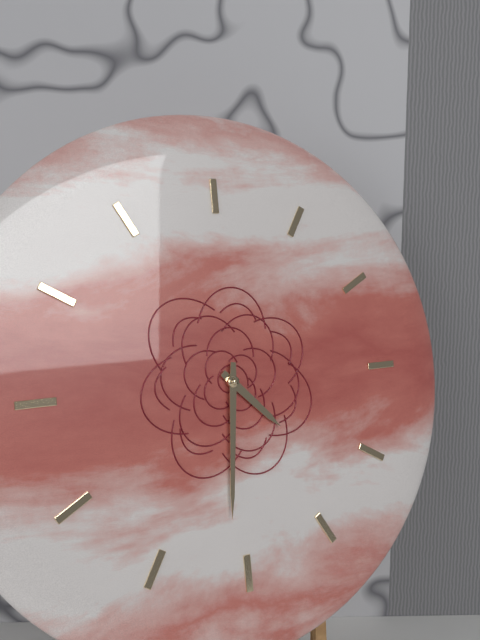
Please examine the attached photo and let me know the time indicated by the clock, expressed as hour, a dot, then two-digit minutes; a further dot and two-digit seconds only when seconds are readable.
4.31
